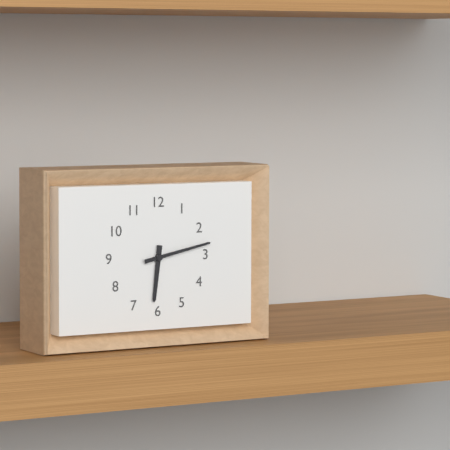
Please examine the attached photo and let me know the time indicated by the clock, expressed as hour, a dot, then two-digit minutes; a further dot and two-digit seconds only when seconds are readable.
6.13
